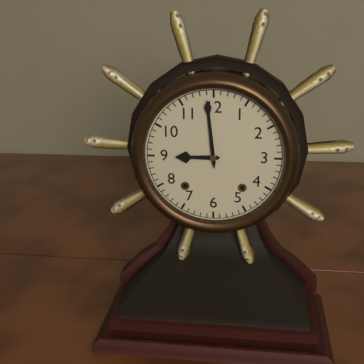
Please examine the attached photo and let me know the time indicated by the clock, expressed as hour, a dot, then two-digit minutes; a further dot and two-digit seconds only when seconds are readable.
8.59
